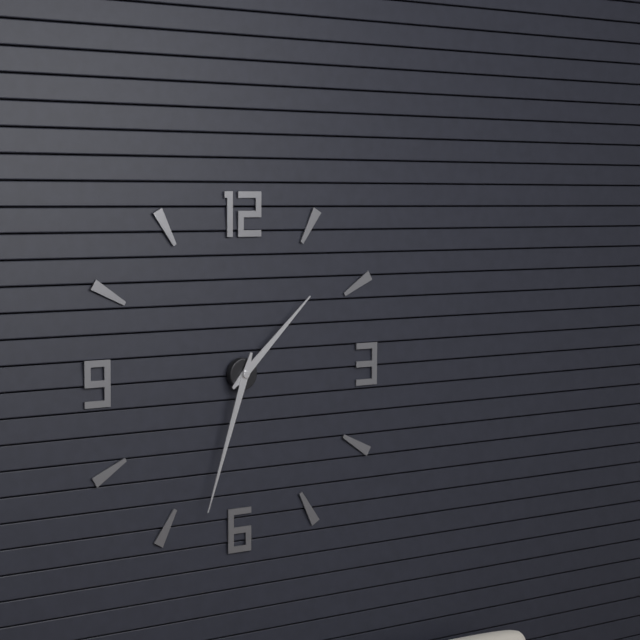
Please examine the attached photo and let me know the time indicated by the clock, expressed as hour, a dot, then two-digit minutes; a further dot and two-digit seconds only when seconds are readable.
1.33
